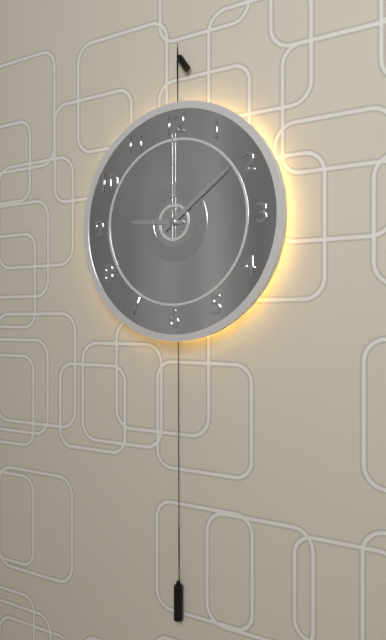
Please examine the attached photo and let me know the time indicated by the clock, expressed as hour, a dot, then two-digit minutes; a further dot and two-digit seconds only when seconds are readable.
9.09.00
